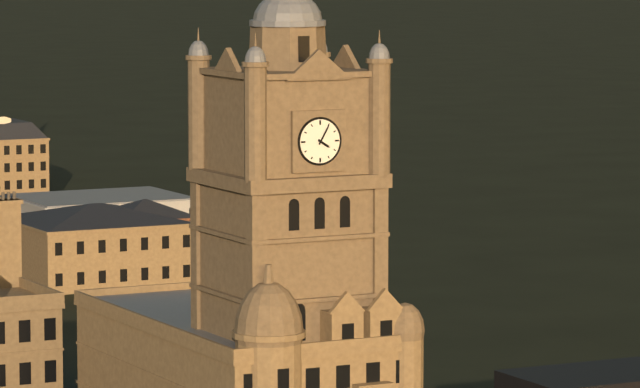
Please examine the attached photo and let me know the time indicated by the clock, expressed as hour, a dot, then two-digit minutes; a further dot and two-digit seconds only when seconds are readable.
4.05
